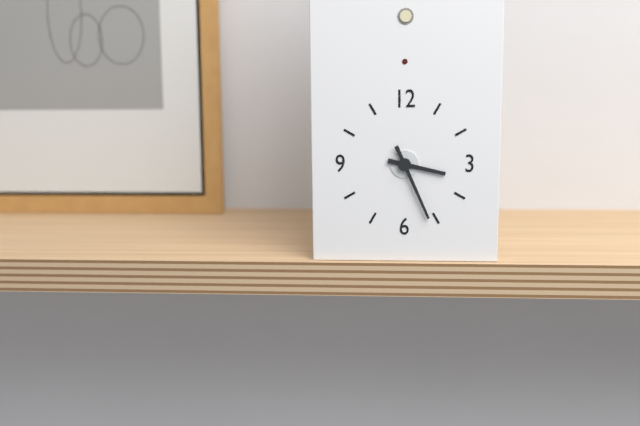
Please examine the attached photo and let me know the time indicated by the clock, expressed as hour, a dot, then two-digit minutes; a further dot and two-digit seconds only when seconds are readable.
3.26
